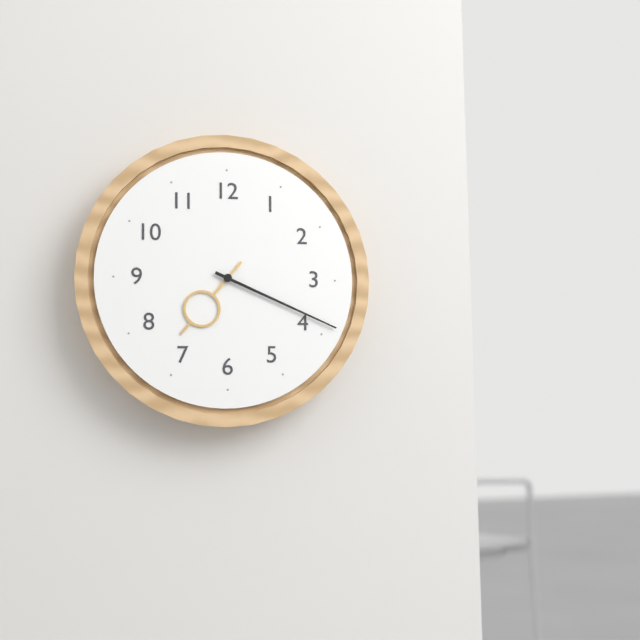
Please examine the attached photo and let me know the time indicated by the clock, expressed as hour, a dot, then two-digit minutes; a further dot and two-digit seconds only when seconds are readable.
7.19
